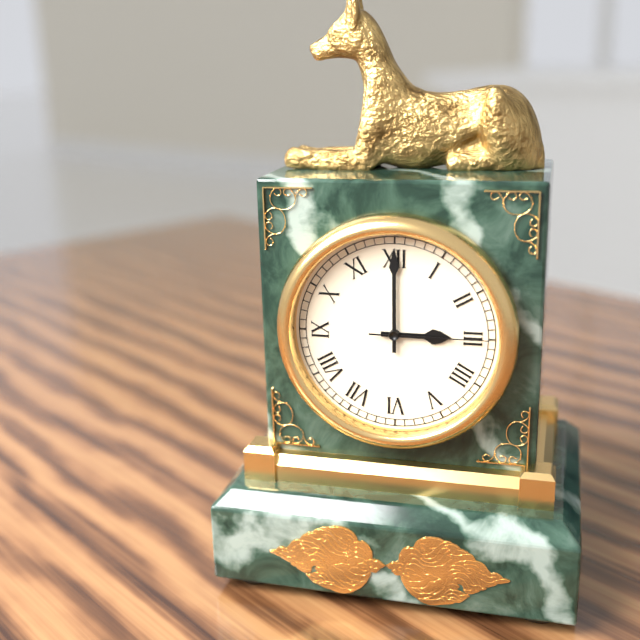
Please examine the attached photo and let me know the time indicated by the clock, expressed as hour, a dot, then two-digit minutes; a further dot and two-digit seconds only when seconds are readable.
3.00.15
